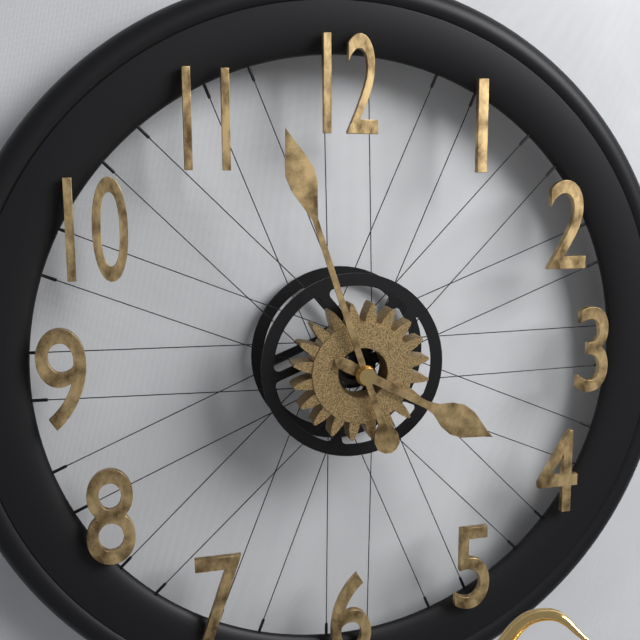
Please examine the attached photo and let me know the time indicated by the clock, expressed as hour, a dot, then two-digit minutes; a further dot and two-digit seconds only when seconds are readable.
3.57
